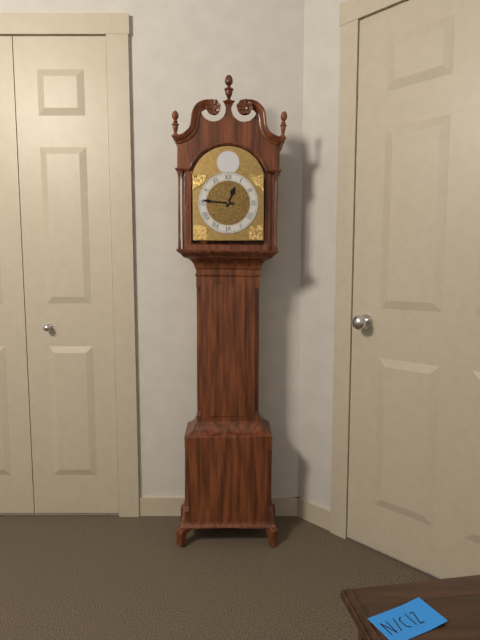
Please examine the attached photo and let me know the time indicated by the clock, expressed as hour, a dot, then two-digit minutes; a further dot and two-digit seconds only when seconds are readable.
12.46
